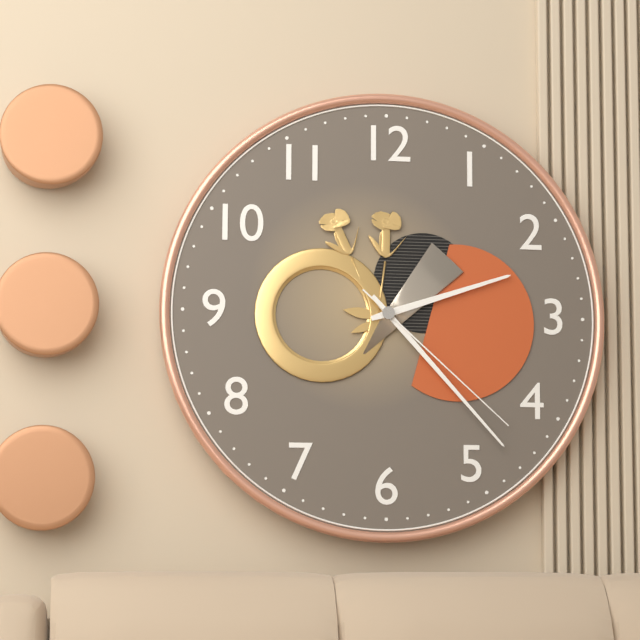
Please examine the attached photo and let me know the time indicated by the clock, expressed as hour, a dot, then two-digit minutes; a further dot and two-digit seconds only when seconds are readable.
2.23.22
